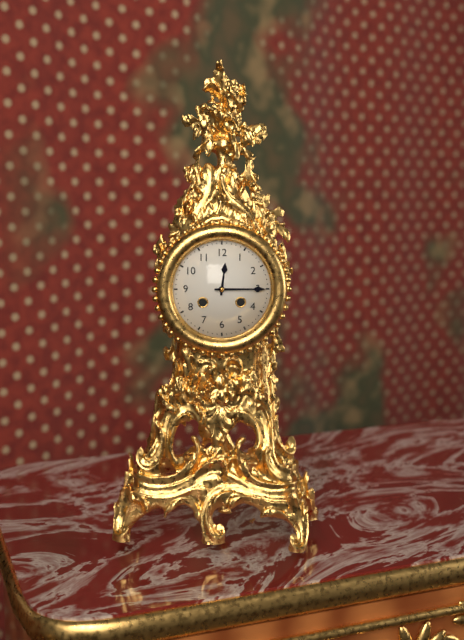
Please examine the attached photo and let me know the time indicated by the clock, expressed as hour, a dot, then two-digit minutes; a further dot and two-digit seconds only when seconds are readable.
12.15
